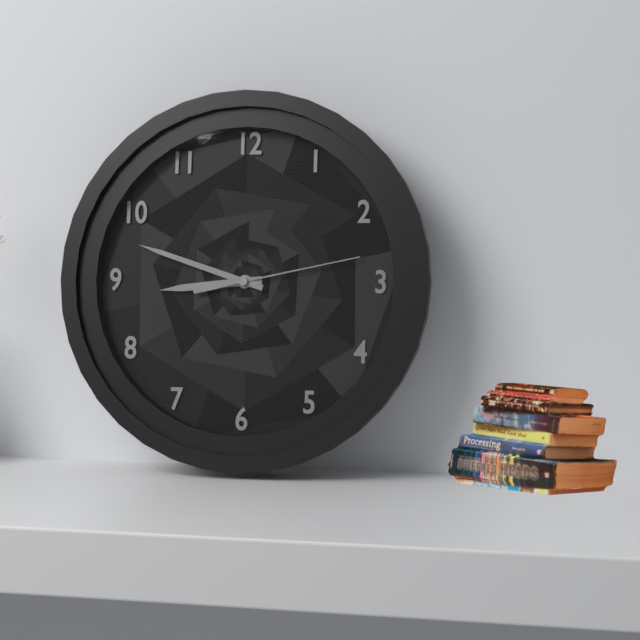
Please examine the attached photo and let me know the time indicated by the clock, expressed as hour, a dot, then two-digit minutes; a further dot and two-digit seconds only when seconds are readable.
8.48.13
